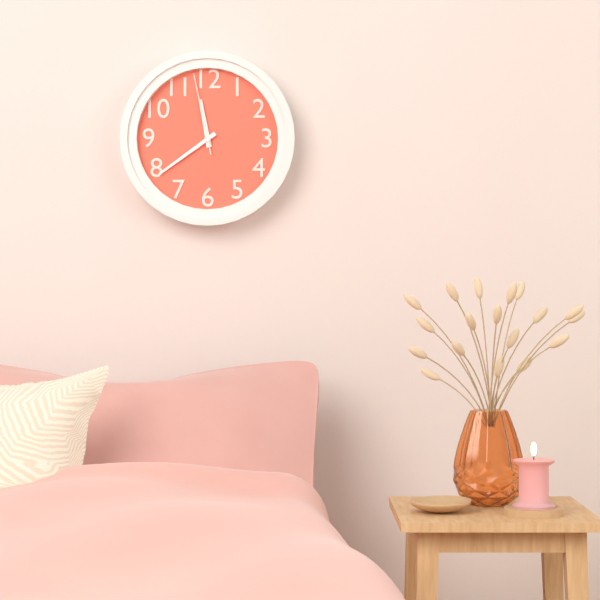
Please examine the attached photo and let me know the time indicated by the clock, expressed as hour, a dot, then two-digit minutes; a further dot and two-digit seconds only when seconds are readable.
11.39.58
